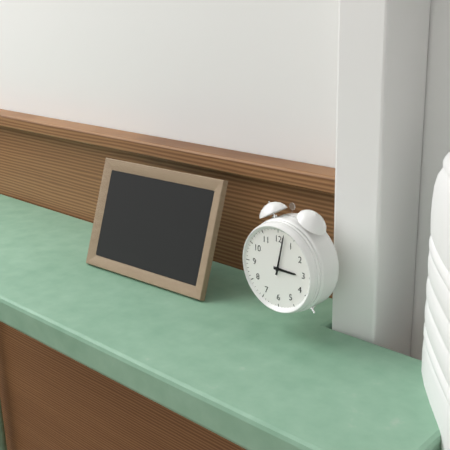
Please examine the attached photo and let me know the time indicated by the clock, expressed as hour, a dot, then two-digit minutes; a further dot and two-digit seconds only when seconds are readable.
3.02
